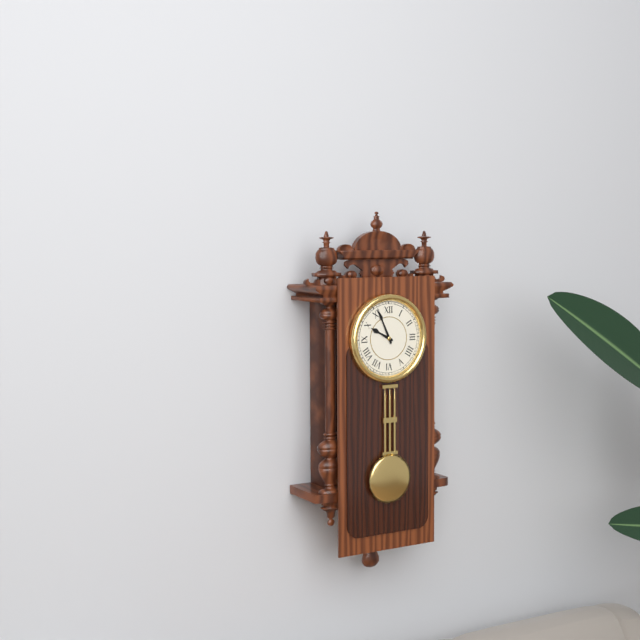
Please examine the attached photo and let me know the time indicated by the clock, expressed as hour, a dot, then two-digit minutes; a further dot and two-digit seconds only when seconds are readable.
9.56
